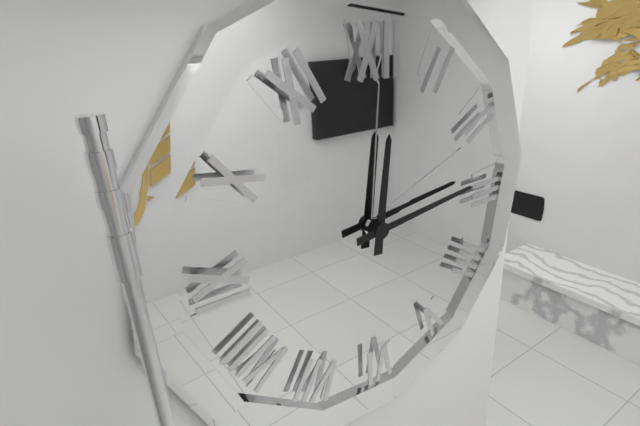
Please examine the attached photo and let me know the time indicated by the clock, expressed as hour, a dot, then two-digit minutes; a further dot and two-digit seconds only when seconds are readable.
12.14
